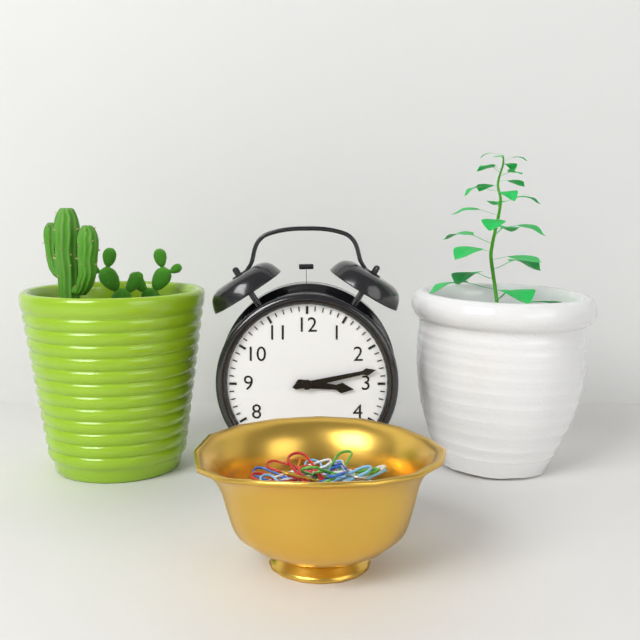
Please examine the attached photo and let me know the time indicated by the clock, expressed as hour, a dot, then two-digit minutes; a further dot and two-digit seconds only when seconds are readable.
3.13
